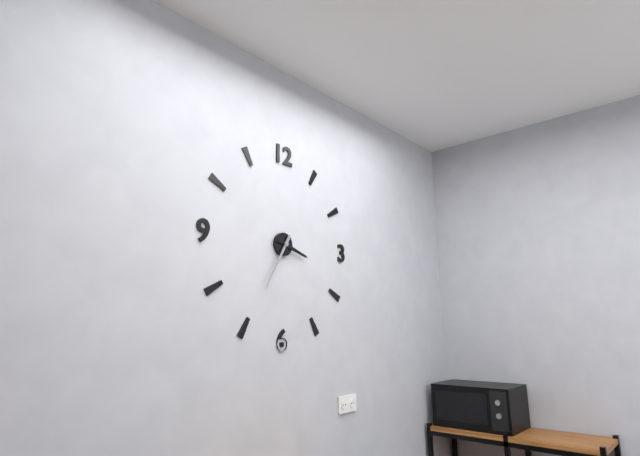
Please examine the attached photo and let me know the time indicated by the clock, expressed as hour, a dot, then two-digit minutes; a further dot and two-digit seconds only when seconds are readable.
3.35
